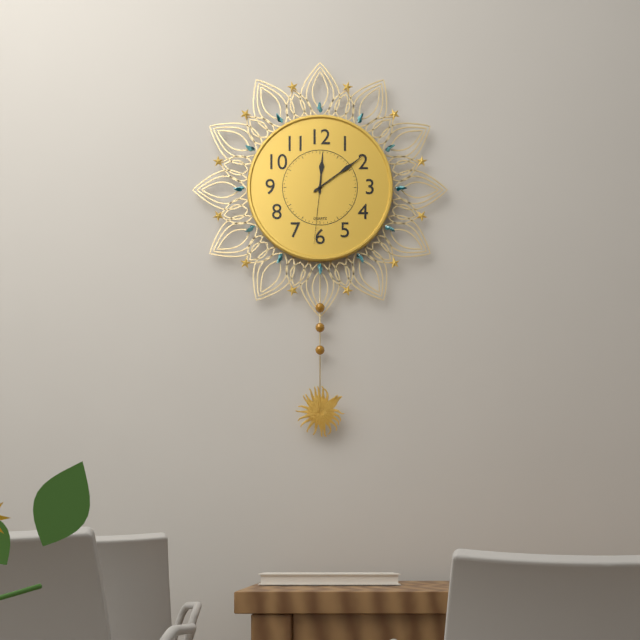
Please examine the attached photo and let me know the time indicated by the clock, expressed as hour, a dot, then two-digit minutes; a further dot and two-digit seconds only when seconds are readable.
12.09.31
